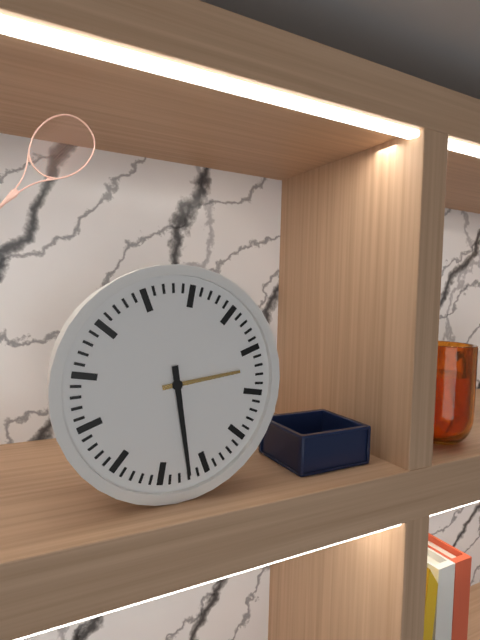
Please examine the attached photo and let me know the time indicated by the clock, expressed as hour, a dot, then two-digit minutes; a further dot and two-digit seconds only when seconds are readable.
2.27
